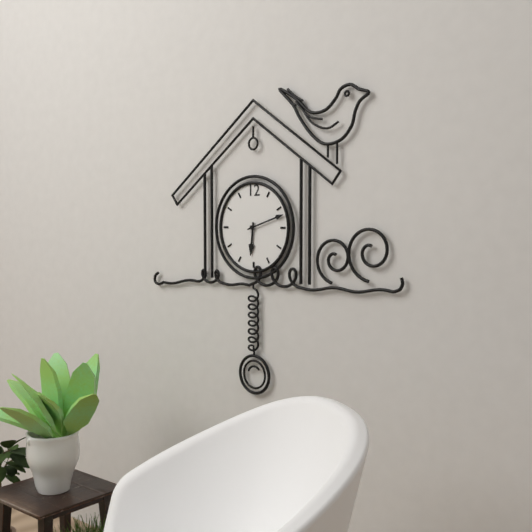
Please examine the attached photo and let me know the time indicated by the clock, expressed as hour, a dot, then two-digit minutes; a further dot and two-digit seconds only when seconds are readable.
6.12
